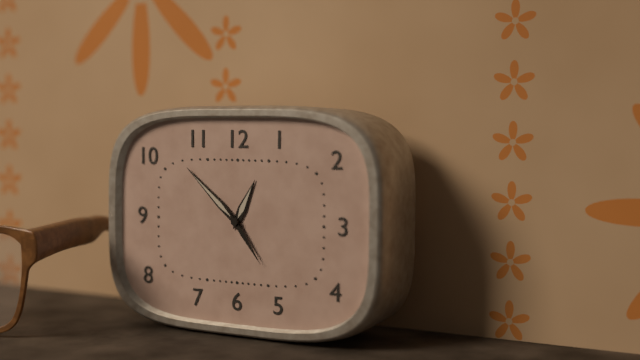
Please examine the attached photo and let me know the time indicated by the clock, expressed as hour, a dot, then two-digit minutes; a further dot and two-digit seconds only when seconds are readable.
12.52.24
